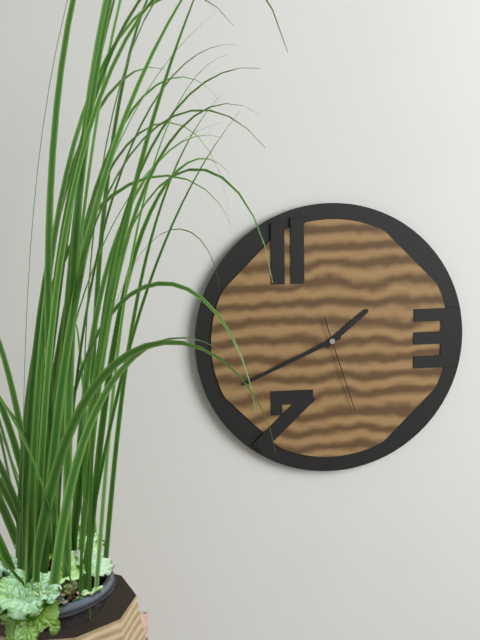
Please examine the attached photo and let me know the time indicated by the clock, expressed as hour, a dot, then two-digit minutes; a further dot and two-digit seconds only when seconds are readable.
1.41.27
